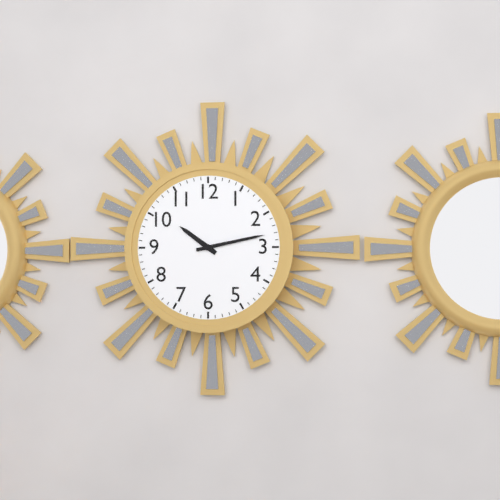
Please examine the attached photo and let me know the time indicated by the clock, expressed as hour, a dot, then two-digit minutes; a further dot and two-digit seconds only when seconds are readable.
10.13
